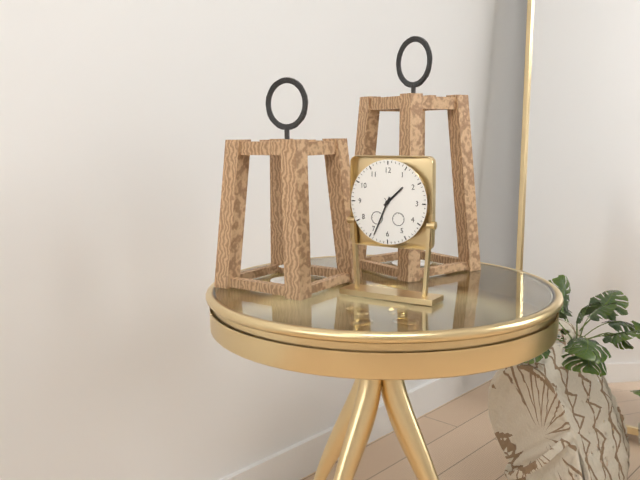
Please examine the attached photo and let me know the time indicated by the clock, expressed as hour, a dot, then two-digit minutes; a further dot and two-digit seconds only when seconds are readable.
1.34
